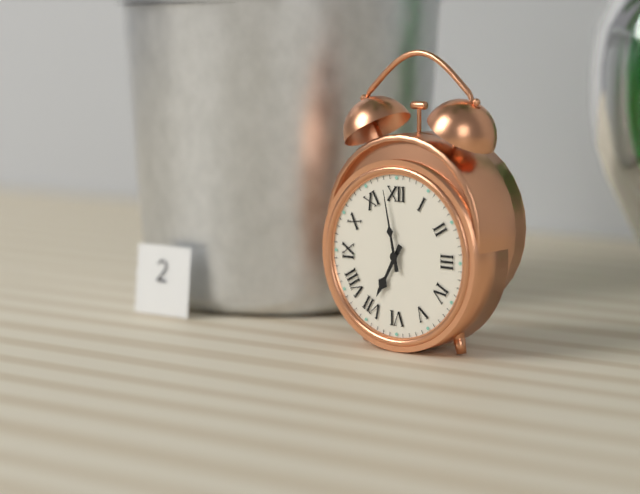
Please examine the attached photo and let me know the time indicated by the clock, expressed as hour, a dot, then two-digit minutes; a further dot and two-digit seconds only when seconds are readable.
6.58
